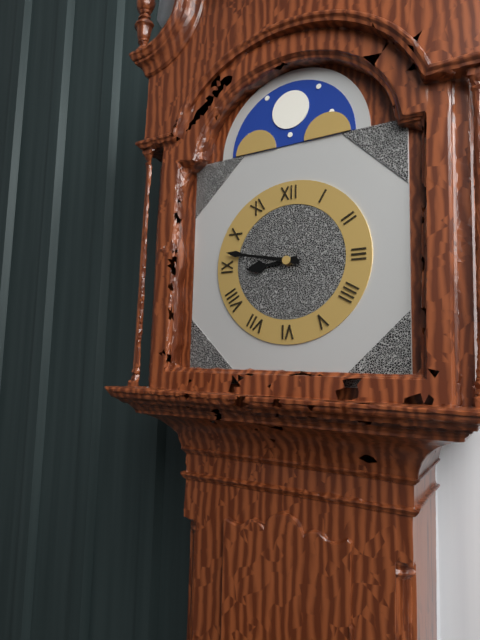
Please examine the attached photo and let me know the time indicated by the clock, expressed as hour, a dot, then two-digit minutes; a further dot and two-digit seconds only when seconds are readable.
8.47
